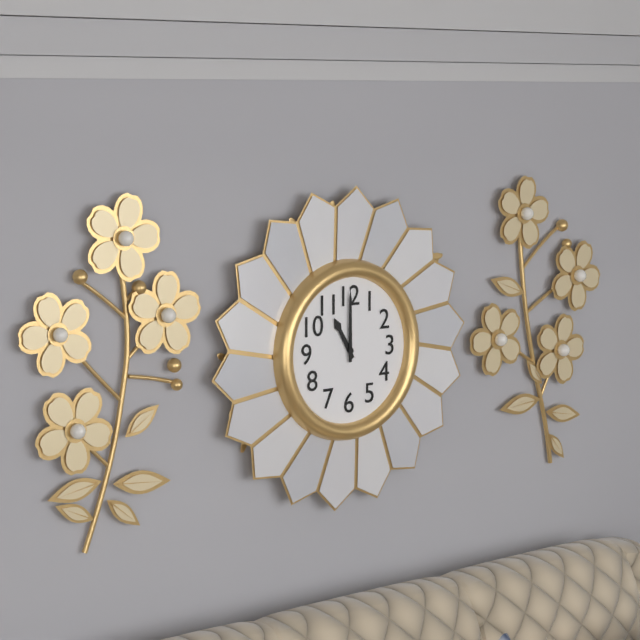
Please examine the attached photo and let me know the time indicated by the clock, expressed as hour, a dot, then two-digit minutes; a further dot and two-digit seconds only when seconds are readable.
11.00
